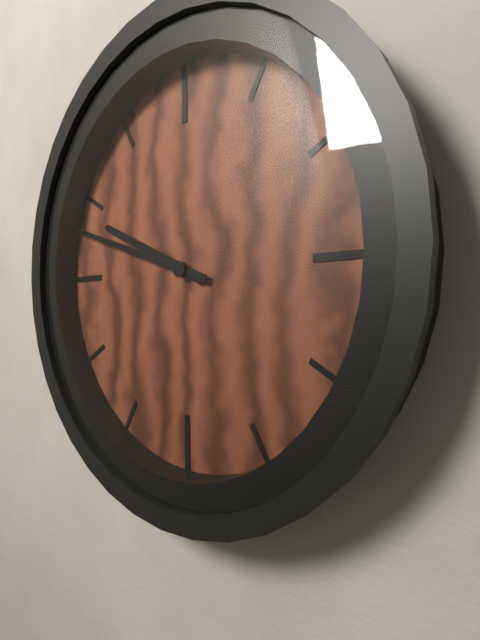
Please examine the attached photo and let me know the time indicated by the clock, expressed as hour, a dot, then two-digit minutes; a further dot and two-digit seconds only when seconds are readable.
9.48
